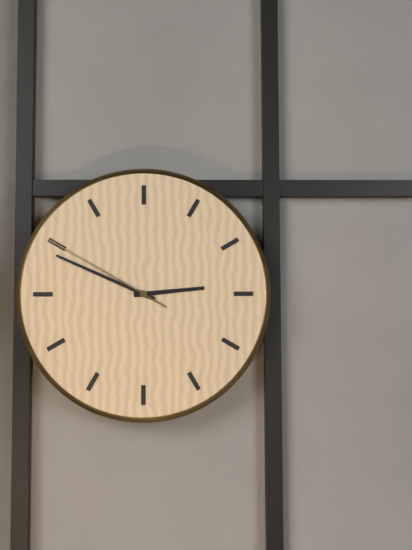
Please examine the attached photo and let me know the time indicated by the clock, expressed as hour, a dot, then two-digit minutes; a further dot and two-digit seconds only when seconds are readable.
2.49.50
